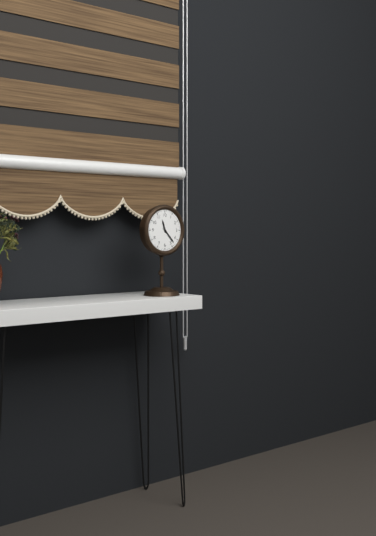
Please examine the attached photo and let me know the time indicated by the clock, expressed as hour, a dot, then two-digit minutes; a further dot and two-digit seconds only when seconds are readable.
11.23
